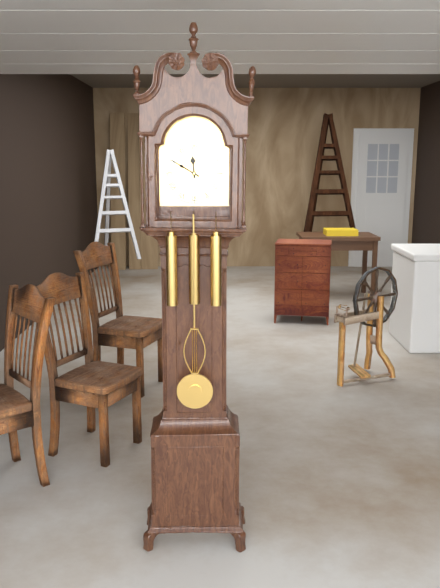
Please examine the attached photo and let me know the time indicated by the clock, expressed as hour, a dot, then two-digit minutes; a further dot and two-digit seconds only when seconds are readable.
11.50
